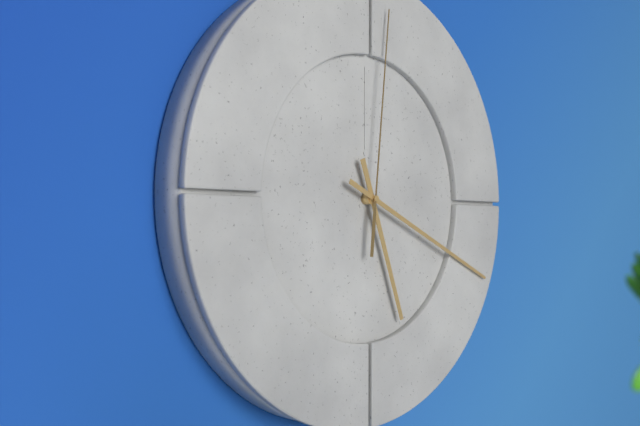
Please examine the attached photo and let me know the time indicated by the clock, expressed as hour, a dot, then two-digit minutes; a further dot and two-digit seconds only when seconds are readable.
5.19.01
